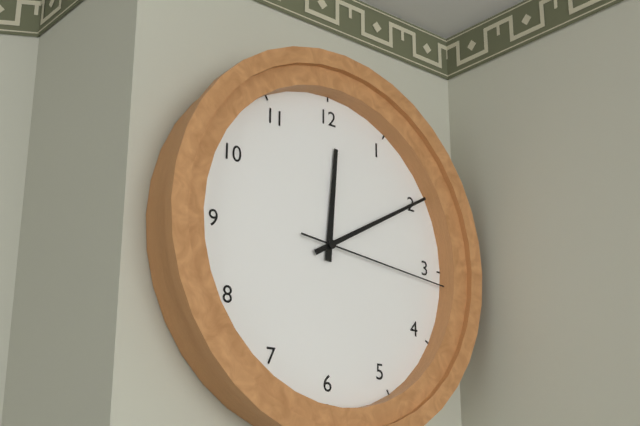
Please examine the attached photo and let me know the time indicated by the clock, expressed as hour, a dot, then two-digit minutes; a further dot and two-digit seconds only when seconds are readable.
12.10.16
